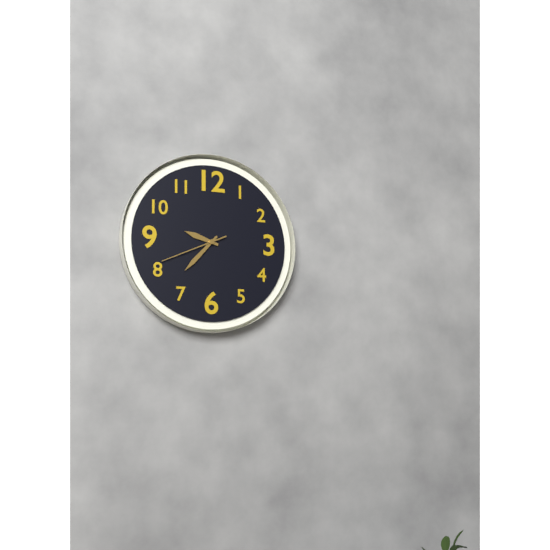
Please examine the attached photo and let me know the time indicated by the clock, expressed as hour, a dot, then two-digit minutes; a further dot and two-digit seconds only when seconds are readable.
9.37.41
